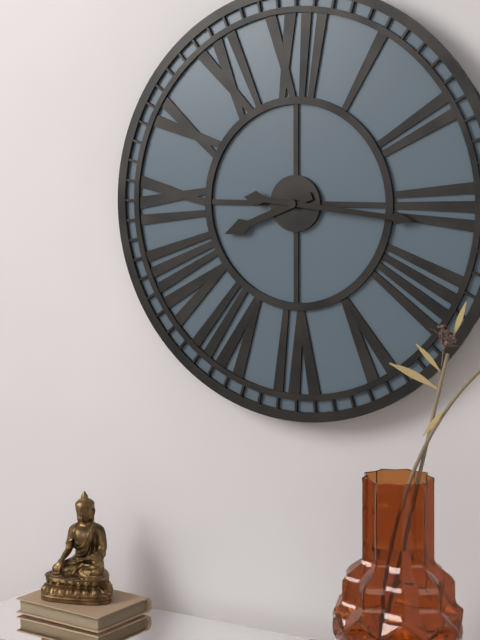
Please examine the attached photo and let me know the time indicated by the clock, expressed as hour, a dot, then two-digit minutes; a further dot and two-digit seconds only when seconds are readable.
8.16
